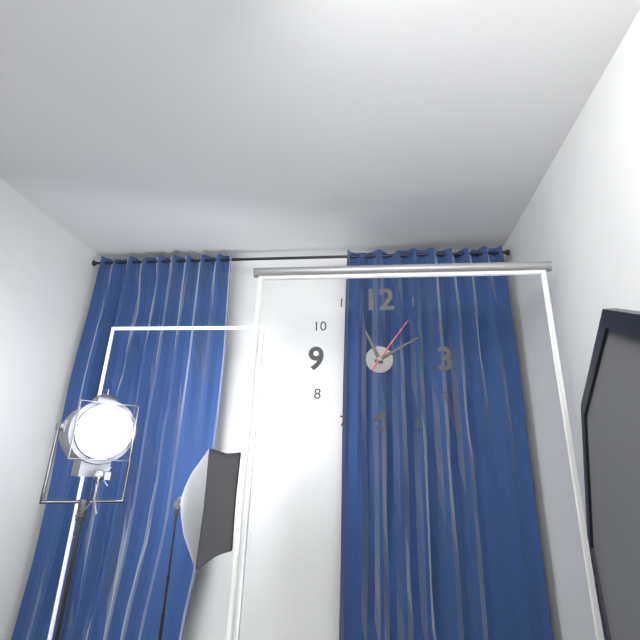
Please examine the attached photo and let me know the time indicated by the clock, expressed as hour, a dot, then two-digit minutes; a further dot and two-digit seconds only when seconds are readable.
11.10.06
